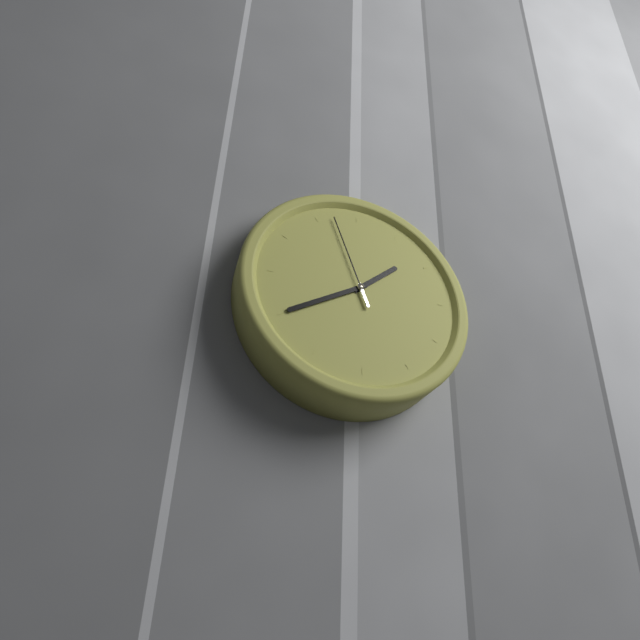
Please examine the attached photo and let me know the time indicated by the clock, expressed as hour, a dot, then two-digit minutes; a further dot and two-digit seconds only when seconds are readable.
1.40.57
